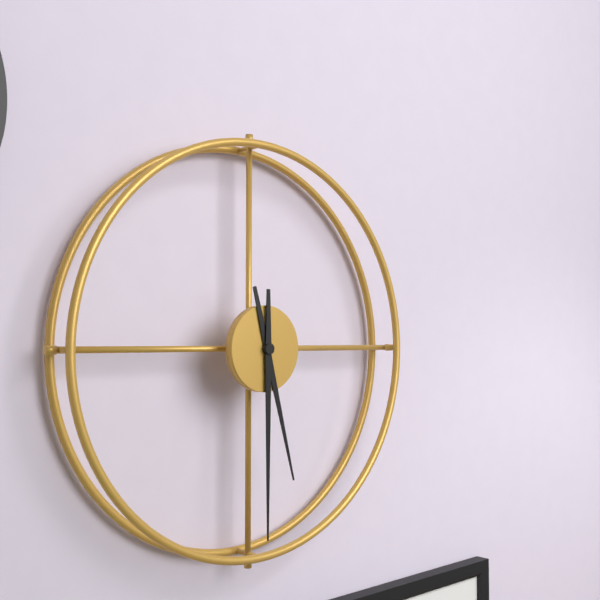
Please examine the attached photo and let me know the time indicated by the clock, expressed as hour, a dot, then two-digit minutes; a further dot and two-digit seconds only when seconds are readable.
5.30
